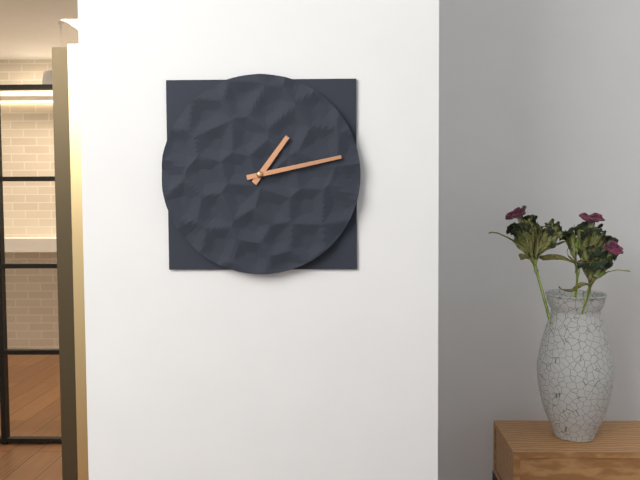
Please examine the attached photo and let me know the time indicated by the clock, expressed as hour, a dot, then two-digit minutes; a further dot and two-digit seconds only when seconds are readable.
1.13
